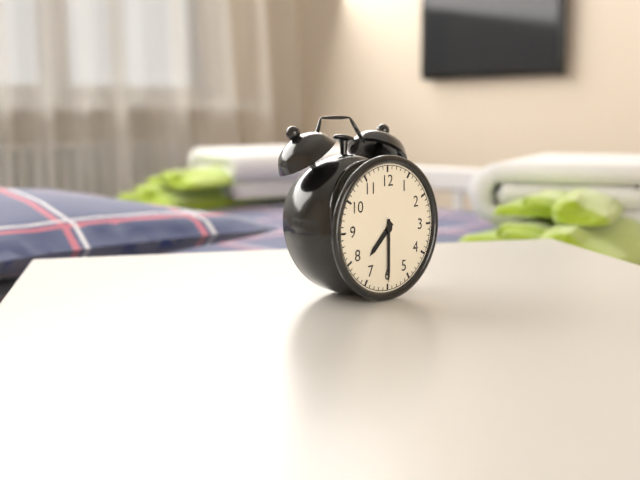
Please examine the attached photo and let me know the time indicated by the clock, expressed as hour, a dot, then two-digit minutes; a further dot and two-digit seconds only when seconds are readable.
7.30
